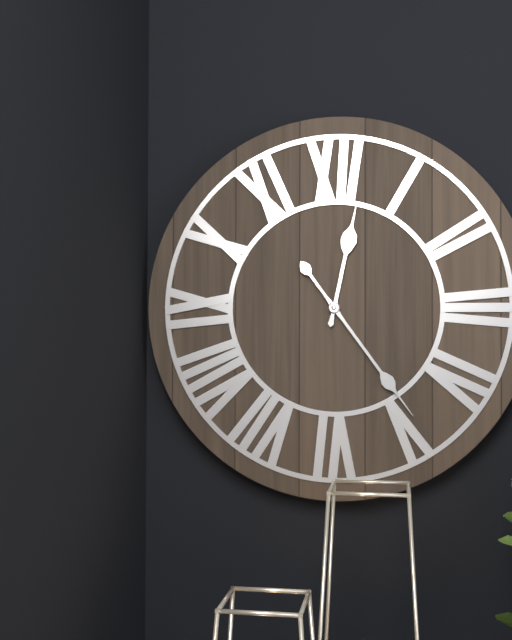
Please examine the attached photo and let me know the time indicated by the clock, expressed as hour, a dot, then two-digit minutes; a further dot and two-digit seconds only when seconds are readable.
12.24
